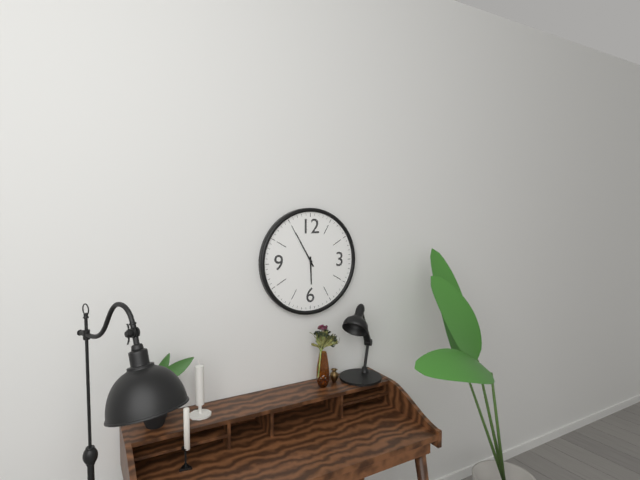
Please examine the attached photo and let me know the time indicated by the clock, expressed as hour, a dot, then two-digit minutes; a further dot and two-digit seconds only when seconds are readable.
5.55
